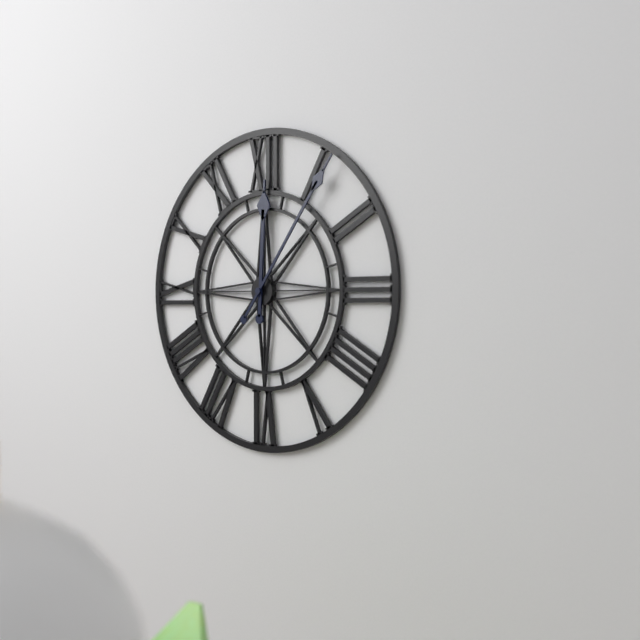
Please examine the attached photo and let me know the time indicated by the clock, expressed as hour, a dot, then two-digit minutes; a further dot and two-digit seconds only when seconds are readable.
12.06
